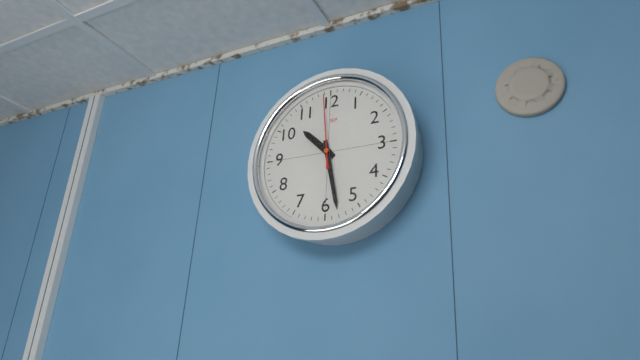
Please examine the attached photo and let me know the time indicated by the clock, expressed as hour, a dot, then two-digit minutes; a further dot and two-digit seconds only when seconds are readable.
10.28.59
